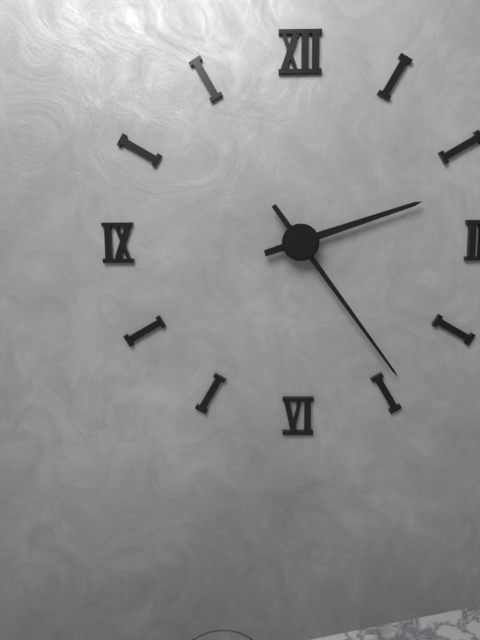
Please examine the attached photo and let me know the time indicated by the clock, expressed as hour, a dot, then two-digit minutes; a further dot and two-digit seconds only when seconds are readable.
2.24
